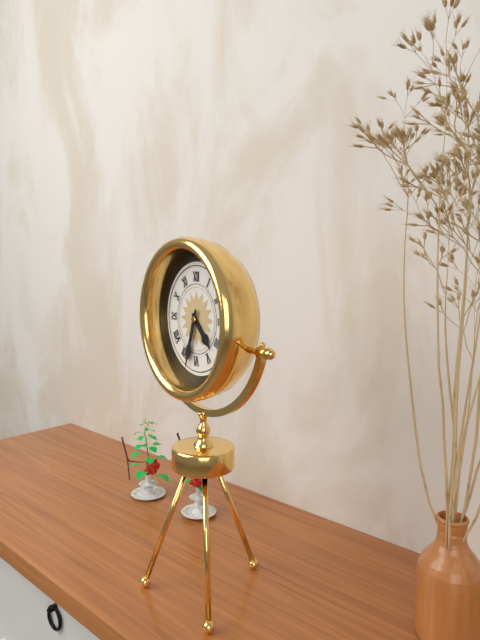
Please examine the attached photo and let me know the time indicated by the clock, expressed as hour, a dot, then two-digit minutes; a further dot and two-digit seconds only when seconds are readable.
4.33
